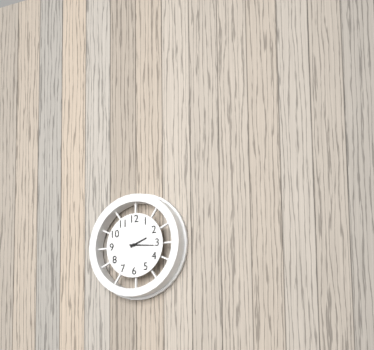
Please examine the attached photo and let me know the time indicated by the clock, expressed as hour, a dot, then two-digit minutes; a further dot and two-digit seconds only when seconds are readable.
2.16
